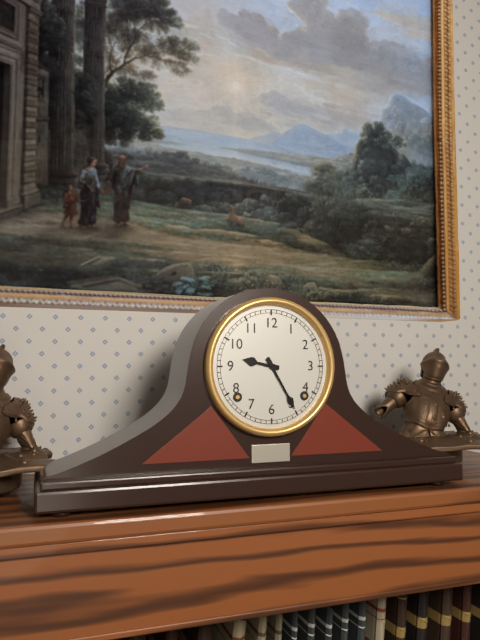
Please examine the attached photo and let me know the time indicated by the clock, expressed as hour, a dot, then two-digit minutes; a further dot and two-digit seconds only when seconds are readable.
9.25
